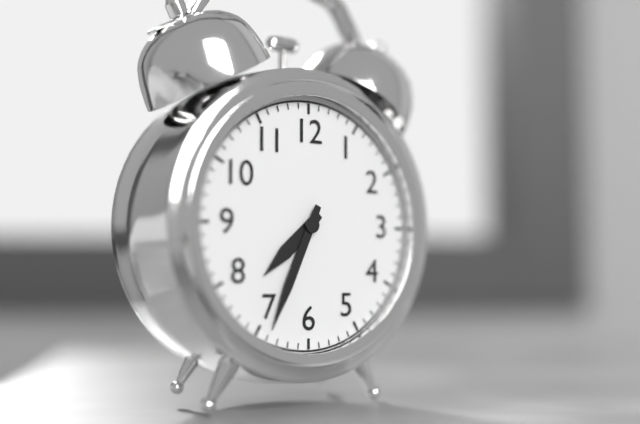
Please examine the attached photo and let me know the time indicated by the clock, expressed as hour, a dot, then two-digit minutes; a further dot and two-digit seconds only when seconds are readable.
7.34
